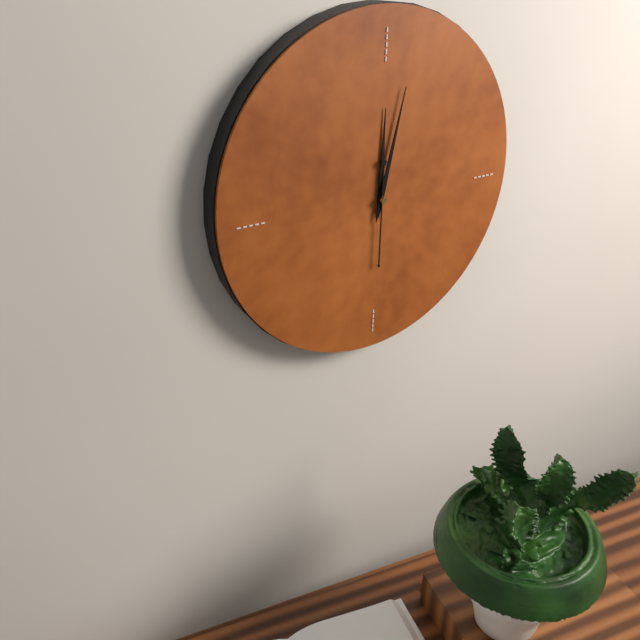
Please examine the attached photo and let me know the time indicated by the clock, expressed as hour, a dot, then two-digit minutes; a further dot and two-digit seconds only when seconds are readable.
12.02.30
